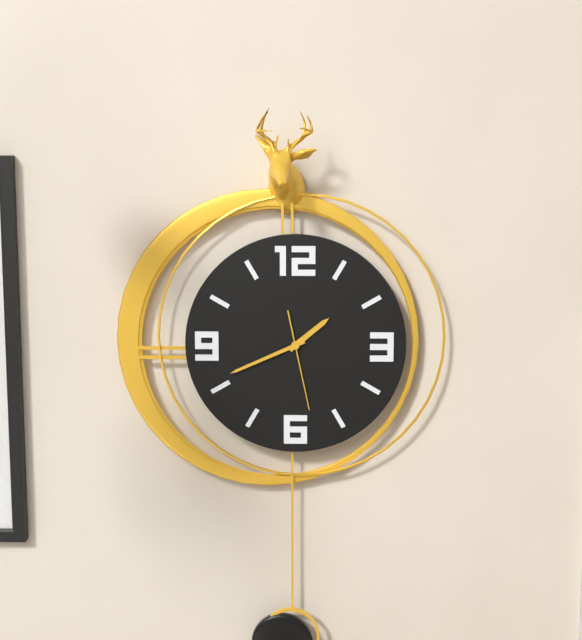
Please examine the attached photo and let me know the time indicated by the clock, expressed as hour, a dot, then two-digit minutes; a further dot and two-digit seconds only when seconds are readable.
1.41.28
